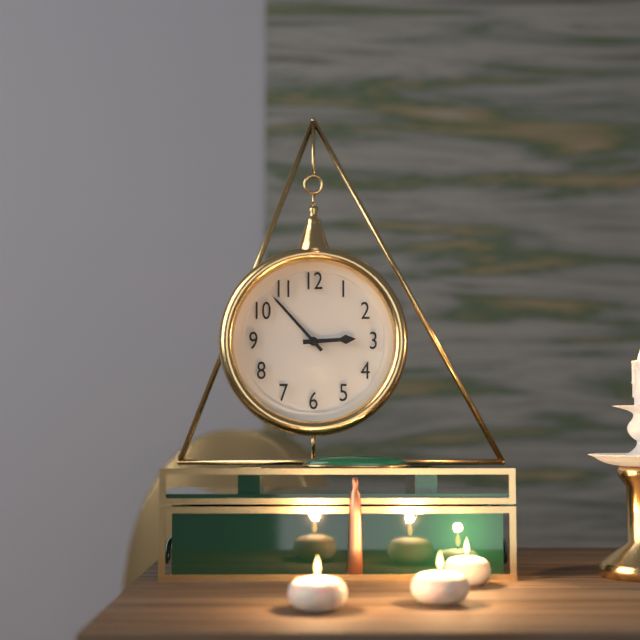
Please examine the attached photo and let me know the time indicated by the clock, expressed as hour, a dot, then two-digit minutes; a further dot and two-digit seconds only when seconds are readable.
2.53
